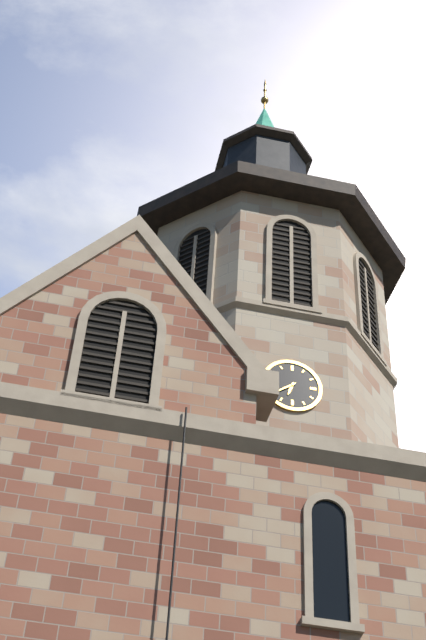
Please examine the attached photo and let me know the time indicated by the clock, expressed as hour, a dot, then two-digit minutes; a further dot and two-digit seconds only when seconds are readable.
6.39
